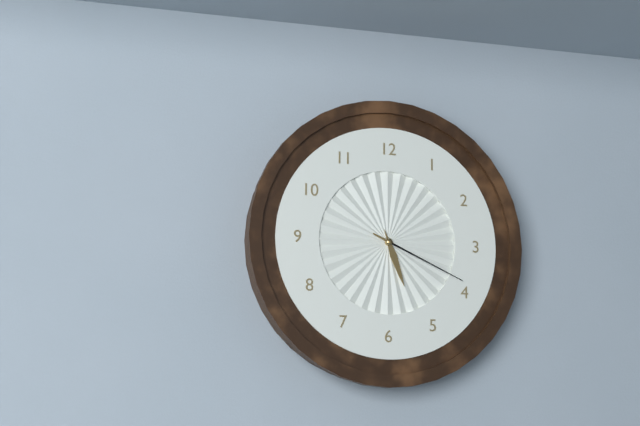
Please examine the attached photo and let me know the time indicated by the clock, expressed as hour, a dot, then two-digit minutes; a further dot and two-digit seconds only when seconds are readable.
5.19
